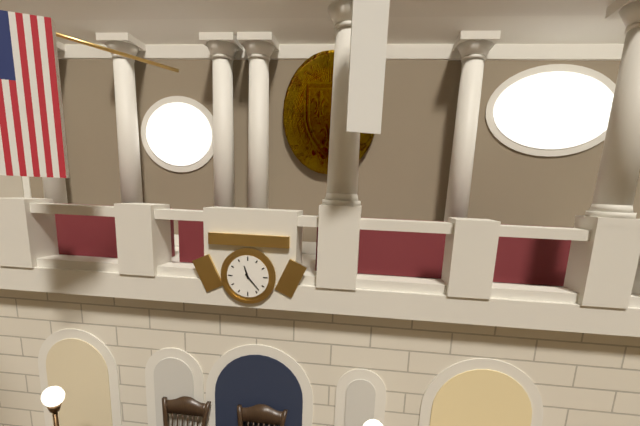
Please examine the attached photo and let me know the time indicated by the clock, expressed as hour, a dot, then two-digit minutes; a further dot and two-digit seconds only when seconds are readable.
11.23
